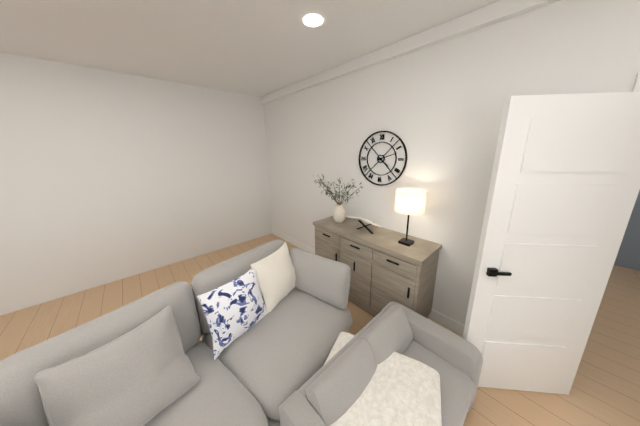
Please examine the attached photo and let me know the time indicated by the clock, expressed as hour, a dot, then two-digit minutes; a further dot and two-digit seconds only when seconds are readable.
4.12
